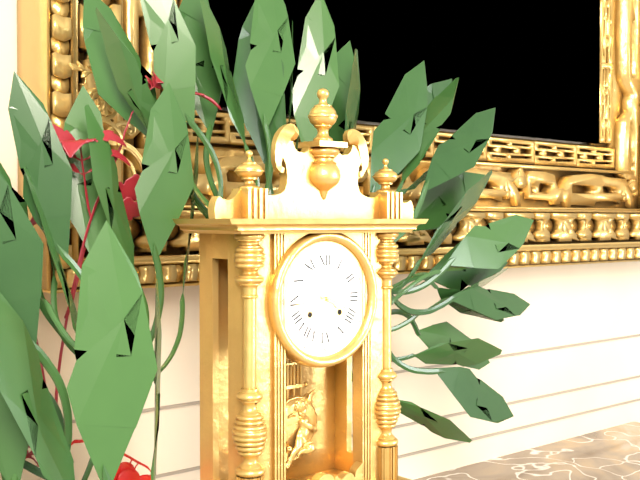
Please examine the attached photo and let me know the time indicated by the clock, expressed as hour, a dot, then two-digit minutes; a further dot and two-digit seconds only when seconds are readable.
3.44
